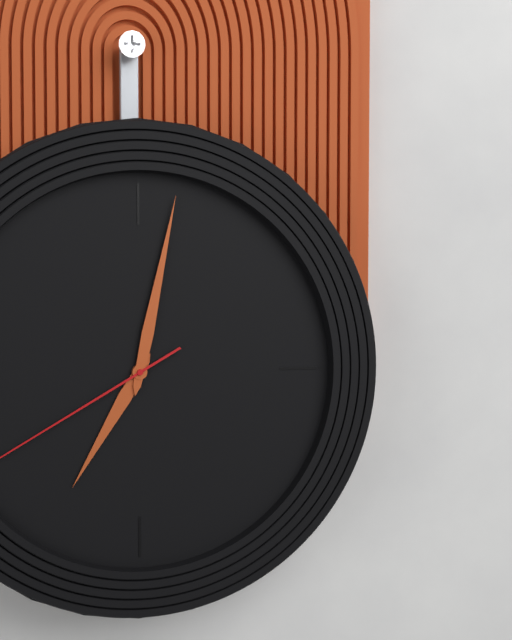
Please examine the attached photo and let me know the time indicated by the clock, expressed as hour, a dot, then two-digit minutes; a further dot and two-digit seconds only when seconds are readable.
7.02
